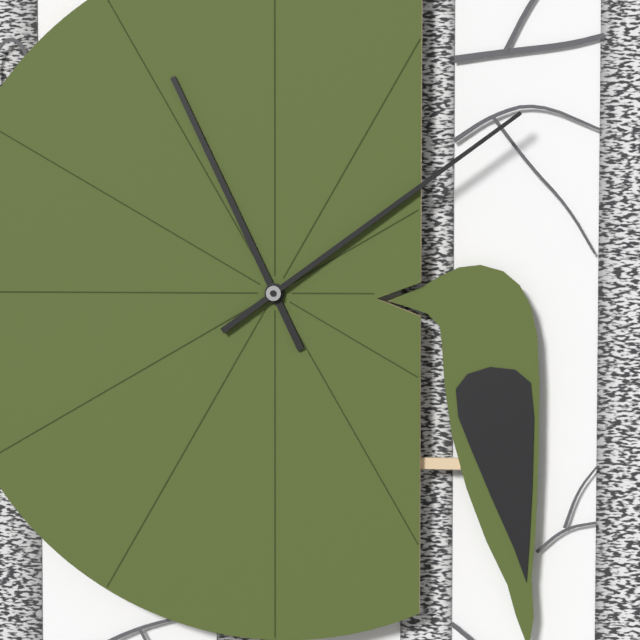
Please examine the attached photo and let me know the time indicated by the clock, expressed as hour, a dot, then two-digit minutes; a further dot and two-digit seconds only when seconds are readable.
11.09
